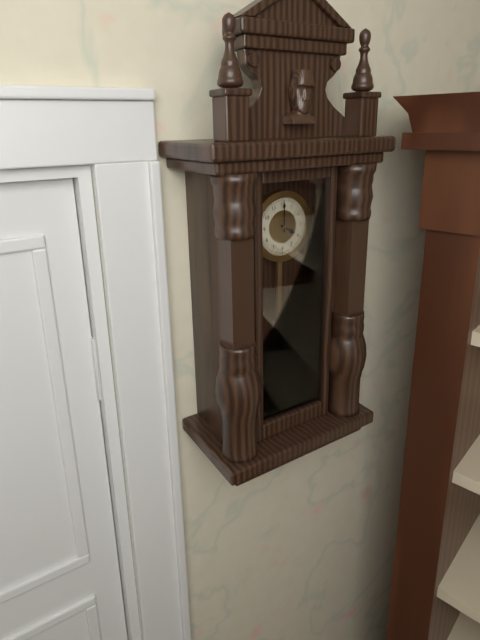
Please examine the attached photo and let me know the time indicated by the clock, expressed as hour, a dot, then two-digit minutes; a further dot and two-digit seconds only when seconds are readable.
4.00
